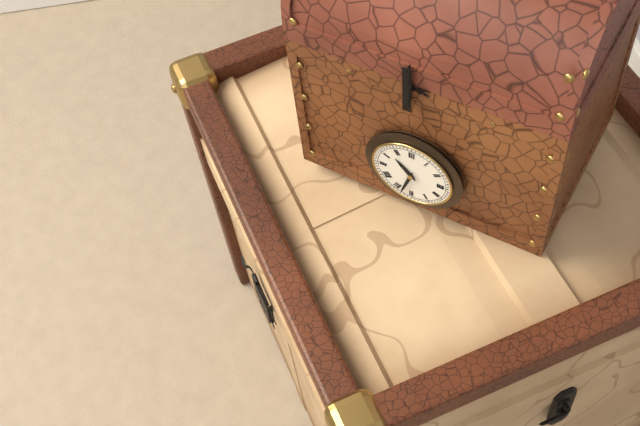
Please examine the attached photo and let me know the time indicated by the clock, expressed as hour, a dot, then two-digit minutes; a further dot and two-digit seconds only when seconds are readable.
10.33
